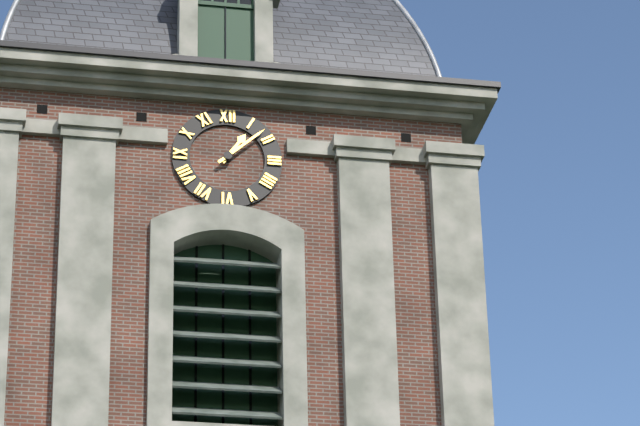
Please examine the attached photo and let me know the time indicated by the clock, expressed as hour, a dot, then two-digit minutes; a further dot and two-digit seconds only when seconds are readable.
1.08
